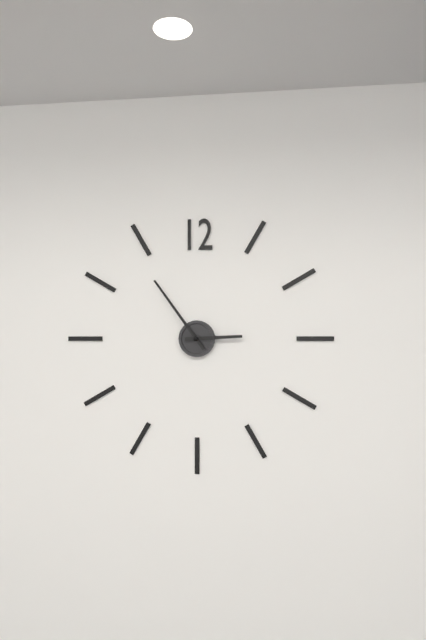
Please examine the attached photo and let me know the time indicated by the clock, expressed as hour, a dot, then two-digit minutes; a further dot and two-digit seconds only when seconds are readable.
2.54
